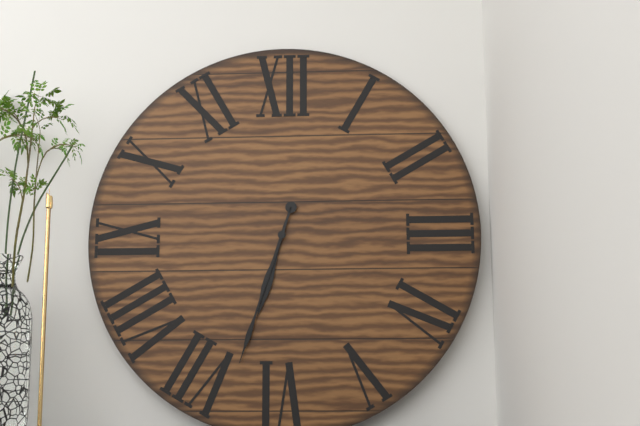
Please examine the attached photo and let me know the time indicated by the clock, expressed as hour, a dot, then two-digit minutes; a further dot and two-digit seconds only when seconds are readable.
6.33
